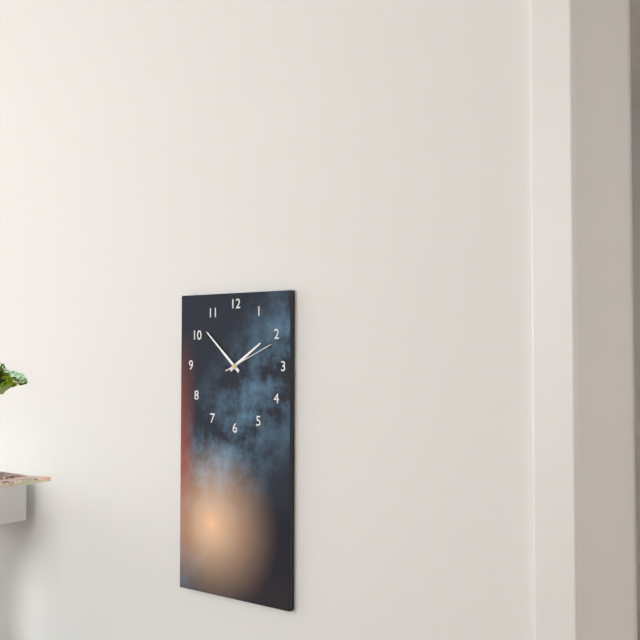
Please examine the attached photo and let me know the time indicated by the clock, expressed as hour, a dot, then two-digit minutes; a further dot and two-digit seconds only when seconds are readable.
1.52.11
